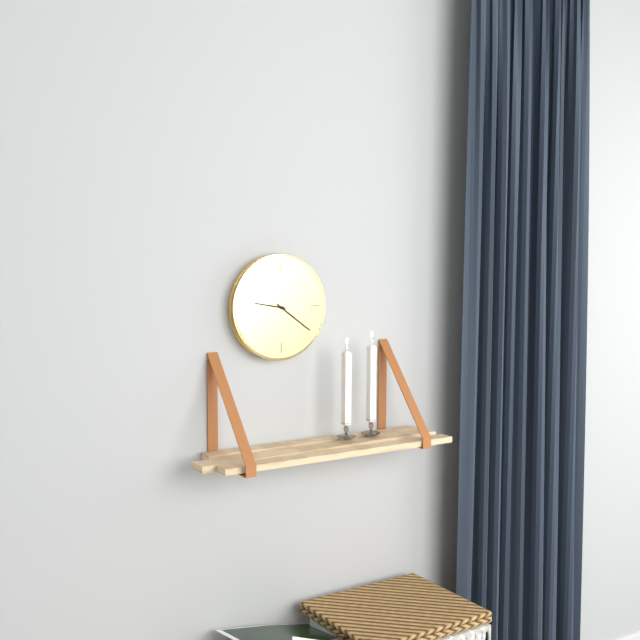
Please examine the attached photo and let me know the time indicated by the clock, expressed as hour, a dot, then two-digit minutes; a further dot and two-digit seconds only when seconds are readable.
9.21
